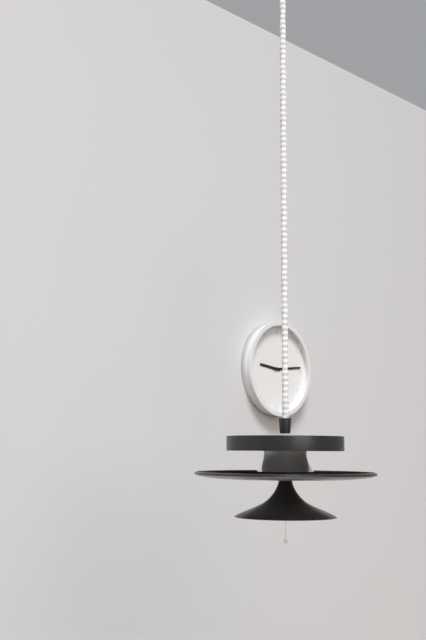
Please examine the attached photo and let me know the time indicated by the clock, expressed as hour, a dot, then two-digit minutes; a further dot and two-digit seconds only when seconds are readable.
9.14
